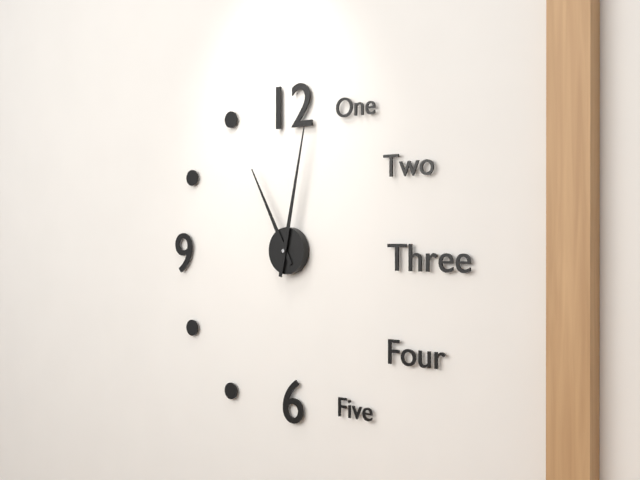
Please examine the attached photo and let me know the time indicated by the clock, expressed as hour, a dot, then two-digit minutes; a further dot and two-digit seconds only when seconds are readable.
11.02
